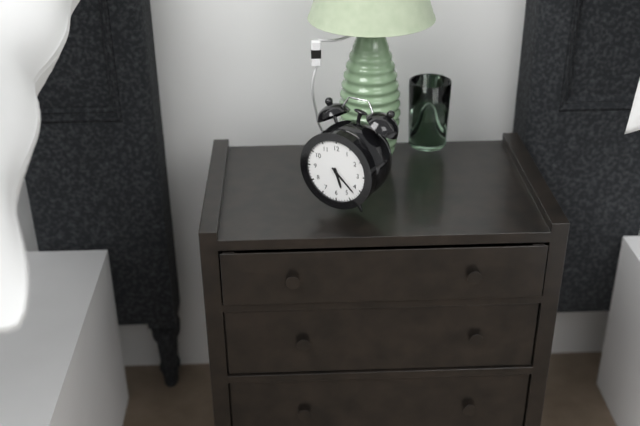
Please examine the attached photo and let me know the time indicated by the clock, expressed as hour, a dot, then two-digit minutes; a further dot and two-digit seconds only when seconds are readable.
5.22
